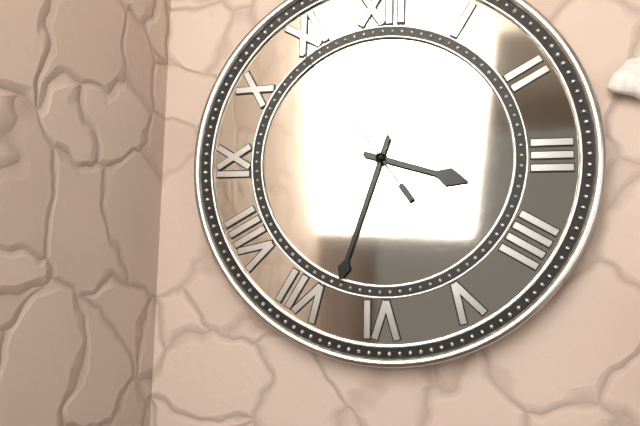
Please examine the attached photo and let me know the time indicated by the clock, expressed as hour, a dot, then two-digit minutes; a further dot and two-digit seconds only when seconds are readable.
3.33.54
